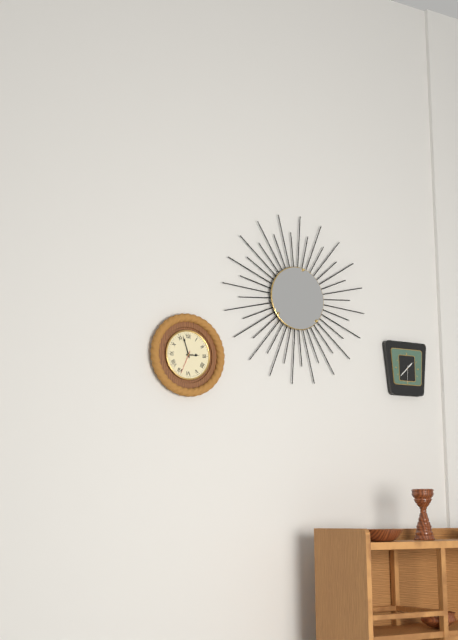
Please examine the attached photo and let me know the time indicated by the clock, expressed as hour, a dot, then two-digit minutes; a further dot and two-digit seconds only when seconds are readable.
2.57
